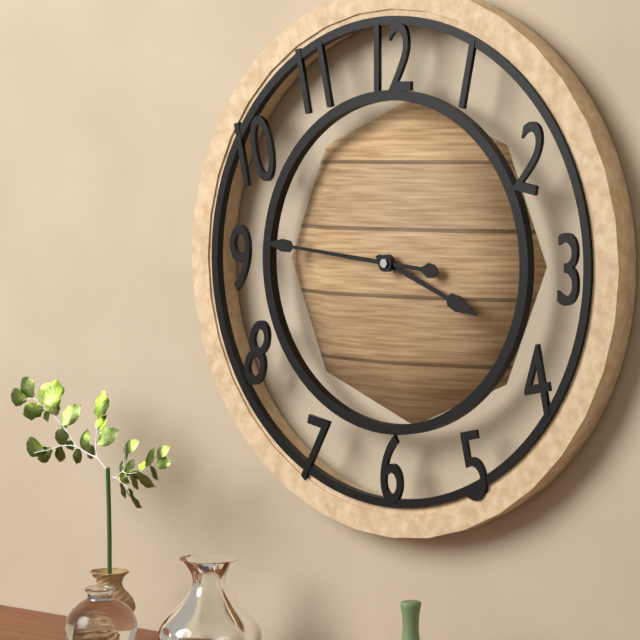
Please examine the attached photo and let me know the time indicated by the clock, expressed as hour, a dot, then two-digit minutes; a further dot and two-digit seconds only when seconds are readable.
3.46
